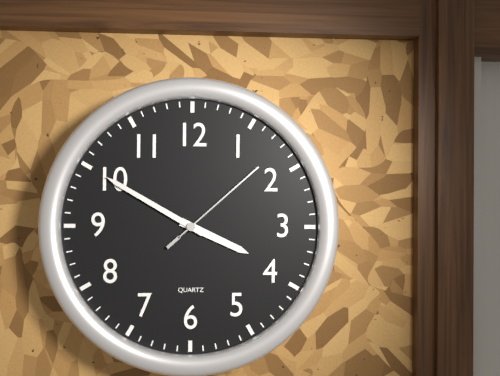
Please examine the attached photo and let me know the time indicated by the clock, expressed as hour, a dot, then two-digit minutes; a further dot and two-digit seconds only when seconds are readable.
3.50.08
